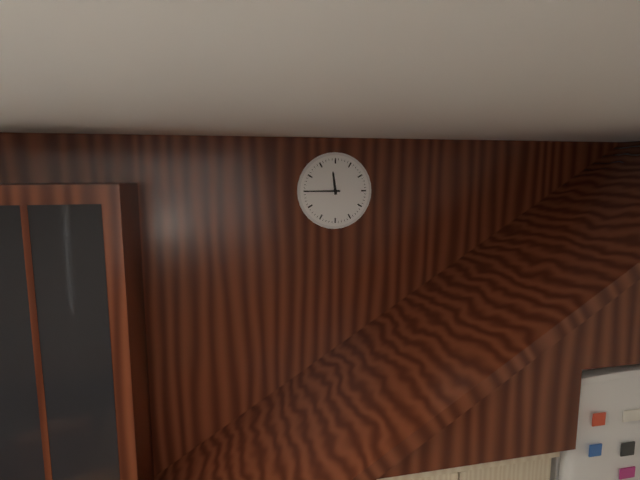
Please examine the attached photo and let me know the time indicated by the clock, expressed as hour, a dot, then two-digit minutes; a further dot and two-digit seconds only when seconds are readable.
11.45
